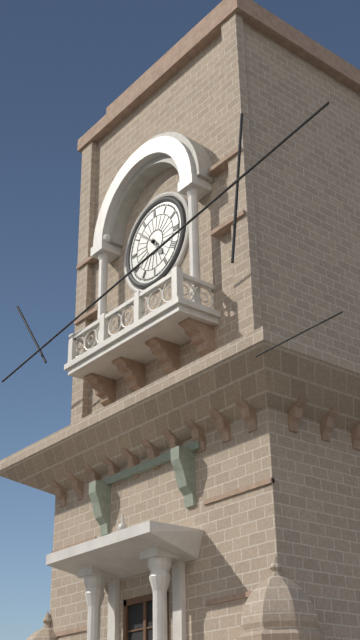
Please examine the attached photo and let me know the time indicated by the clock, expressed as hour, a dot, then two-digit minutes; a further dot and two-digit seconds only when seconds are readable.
4.52
